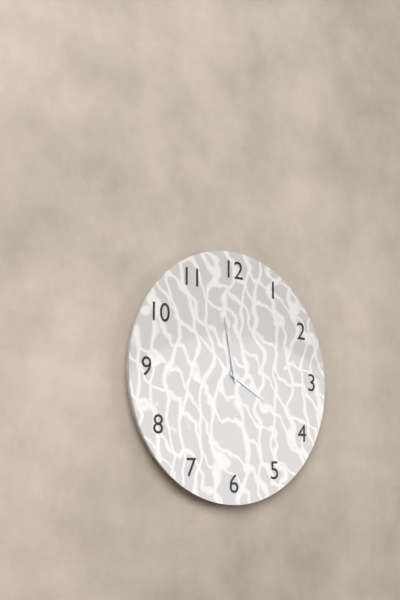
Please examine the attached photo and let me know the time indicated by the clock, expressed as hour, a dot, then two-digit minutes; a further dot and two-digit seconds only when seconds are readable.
3.58
